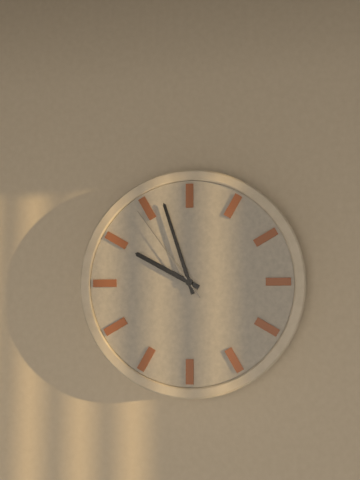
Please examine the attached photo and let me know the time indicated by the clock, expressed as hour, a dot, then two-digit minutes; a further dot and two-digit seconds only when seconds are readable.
9.57.54
